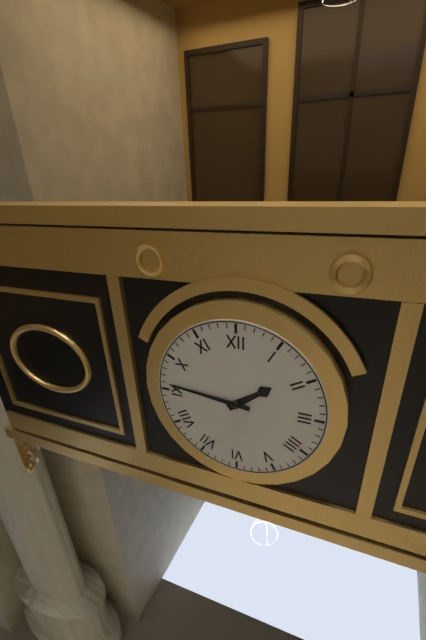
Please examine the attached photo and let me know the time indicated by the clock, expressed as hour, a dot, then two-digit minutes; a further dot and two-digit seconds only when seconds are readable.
1.46
